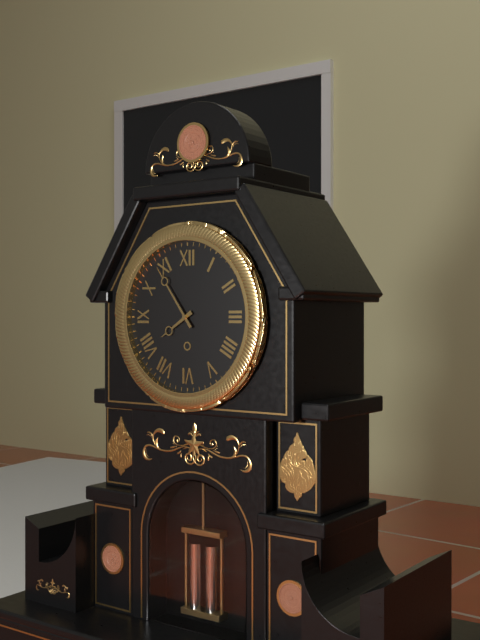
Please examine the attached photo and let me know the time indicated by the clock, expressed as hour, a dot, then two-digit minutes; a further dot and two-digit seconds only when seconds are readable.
7.54
